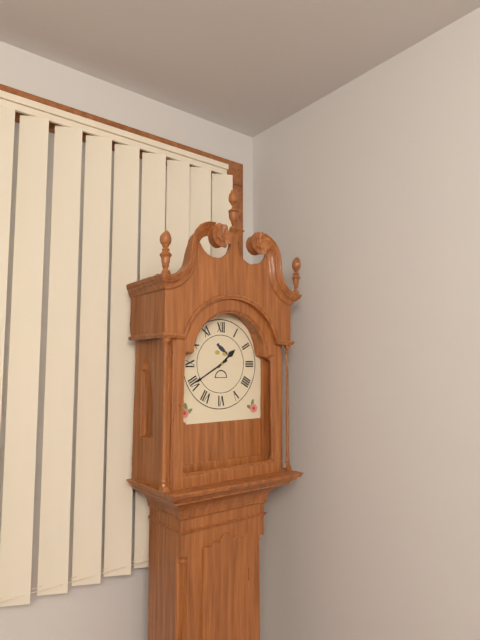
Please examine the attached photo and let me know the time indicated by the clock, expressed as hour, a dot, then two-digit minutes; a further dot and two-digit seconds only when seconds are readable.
1.40
